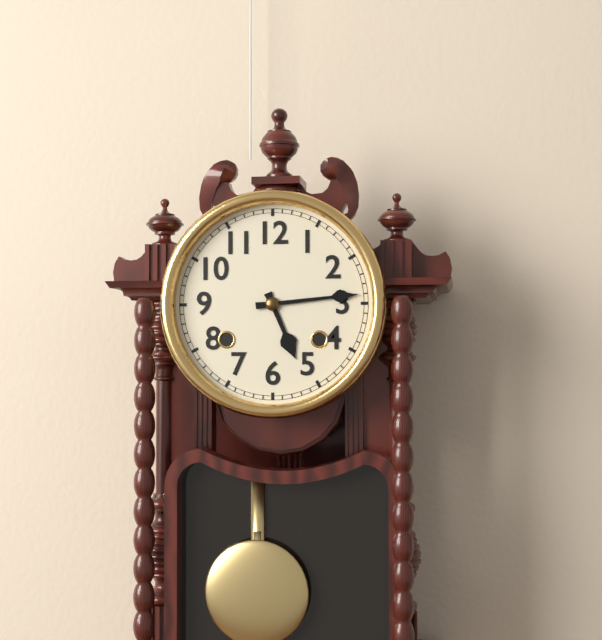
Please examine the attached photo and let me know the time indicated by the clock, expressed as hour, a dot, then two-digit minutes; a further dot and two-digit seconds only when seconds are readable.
5.14
